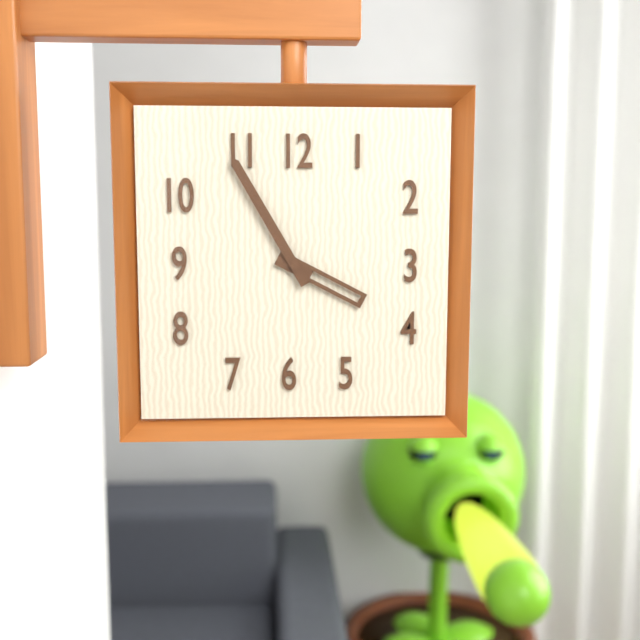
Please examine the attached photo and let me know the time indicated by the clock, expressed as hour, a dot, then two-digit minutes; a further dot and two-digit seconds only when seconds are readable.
3.55
